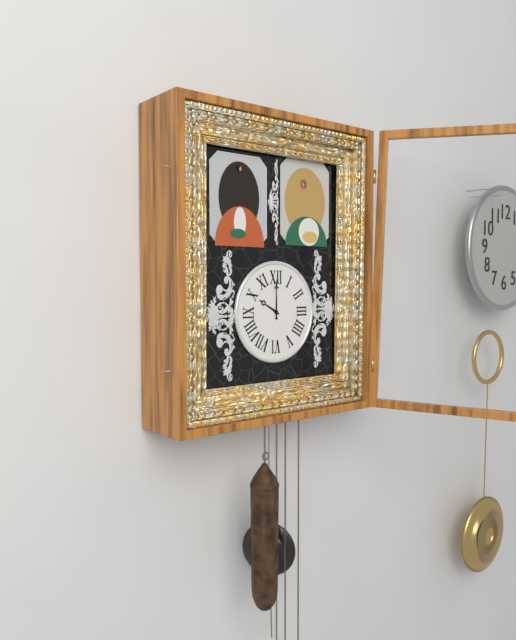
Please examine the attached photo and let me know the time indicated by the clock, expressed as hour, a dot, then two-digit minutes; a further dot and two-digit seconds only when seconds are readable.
10.00
